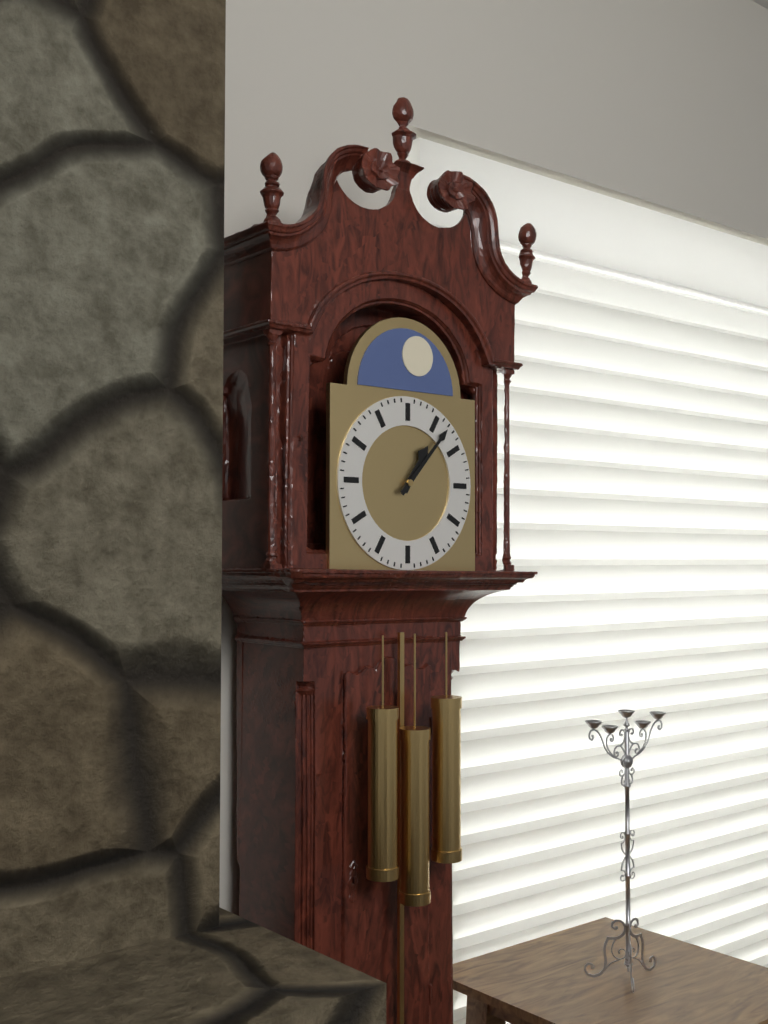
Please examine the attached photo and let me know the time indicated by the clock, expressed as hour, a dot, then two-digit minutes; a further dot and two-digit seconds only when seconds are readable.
1.07
